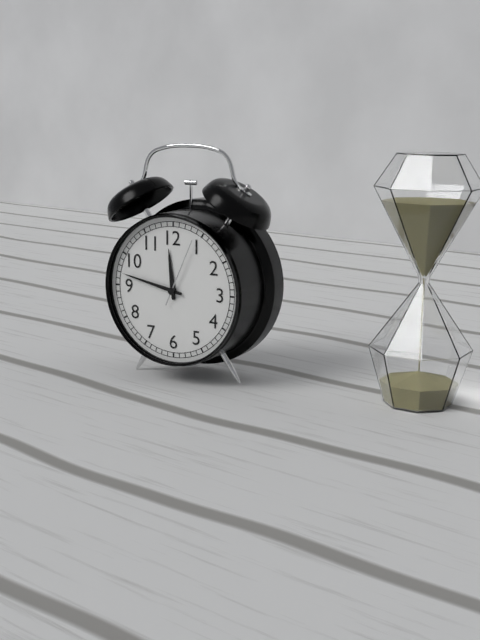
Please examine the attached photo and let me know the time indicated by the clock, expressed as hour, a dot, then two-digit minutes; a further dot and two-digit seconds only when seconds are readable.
11.47.04
